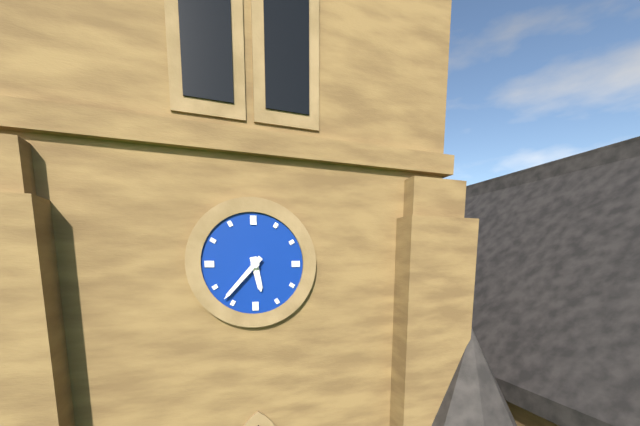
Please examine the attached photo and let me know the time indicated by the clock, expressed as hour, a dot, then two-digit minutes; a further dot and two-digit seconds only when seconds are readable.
5.37
